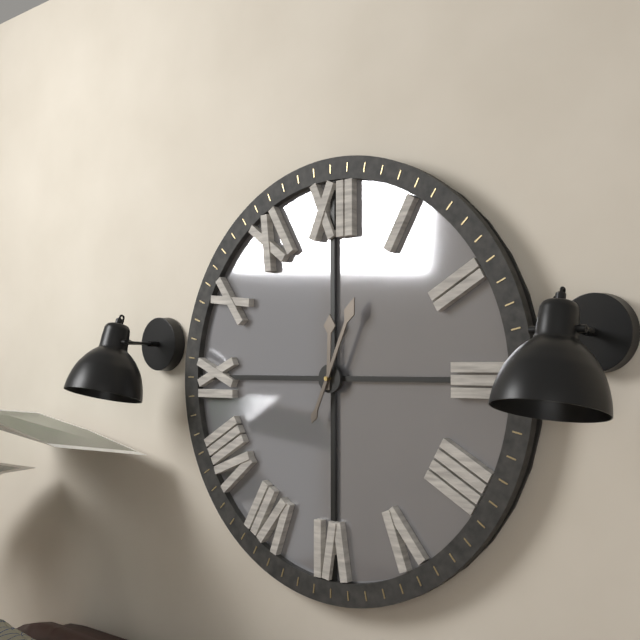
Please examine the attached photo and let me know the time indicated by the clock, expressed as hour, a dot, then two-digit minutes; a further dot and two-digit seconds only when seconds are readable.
12.04
